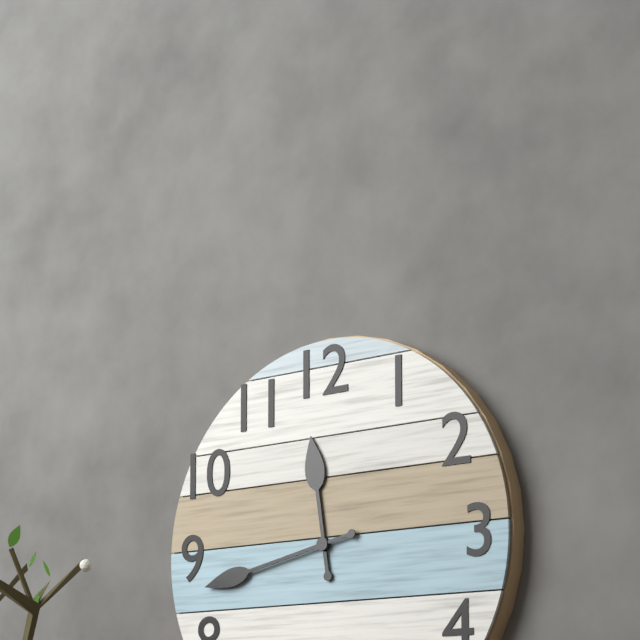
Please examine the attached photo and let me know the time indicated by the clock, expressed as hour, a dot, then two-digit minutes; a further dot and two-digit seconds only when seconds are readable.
11.43
